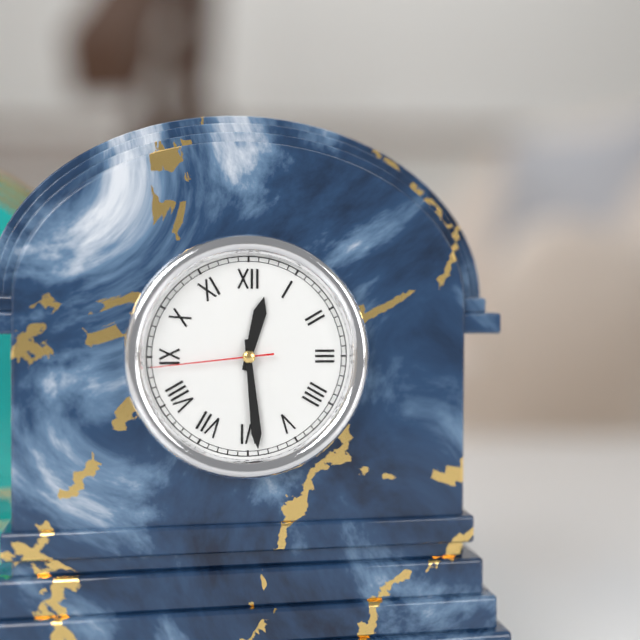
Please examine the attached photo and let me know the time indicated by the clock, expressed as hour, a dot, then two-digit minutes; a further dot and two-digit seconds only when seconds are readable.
12.29.44
